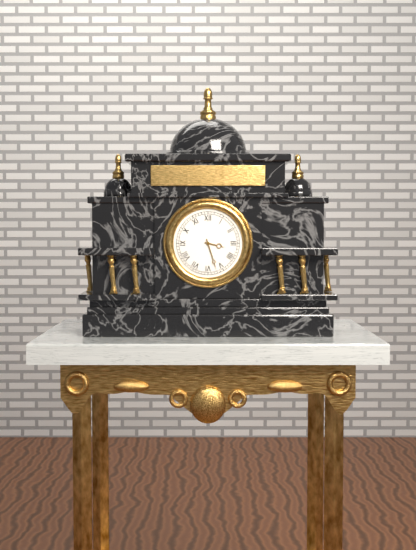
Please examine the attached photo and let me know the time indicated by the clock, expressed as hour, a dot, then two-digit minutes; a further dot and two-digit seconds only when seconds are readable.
3.27
